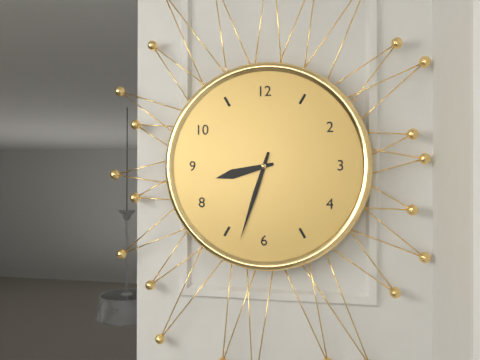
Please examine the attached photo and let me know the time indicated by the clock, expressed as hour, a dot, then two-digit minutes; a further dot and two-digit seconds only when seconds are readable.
8.33
